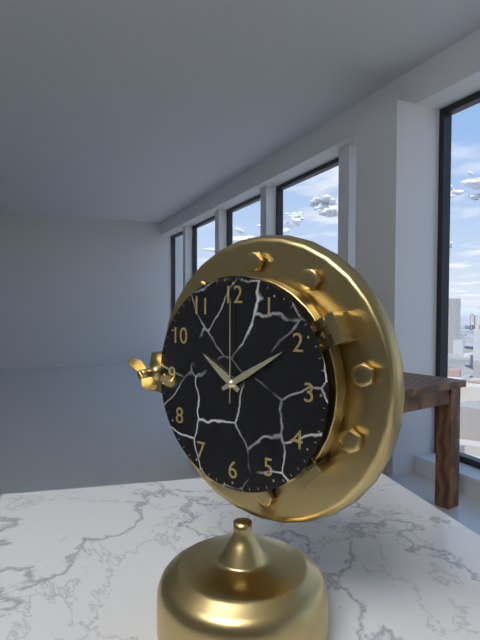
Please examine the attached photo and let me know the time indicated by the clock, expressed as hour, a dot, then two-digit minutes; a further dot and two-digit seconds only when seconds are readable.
10.10.00
